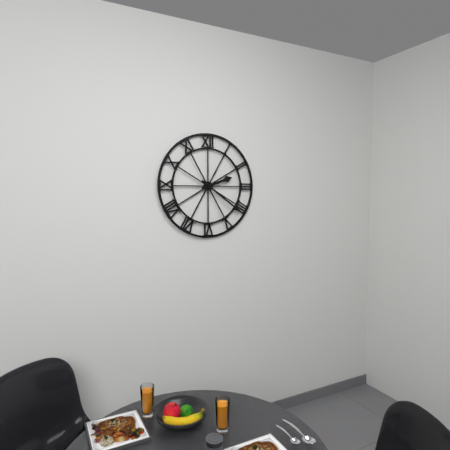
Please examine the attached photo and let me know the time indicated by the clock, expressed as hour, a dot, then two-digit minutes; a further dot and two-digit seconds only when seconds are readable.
2.21
